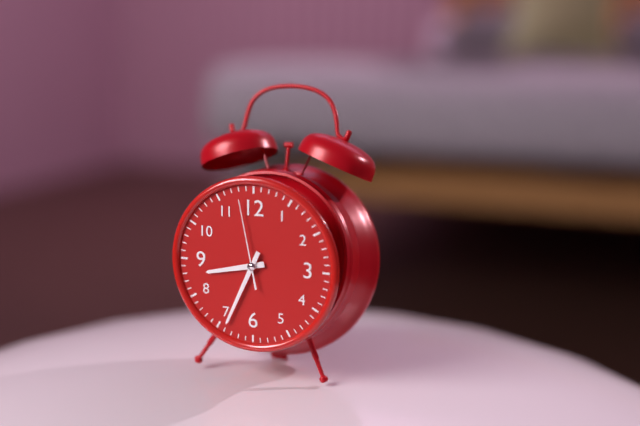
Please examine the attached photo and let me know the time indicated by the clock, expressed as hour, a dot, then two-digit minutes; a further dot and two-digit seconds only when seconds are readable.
8.34.58
